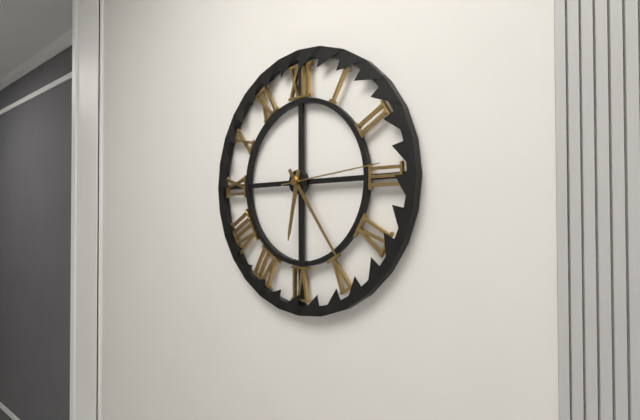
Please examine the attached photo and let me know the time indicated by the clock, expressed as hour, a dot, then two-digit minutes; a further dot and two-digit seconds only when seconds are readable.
6.24.14
